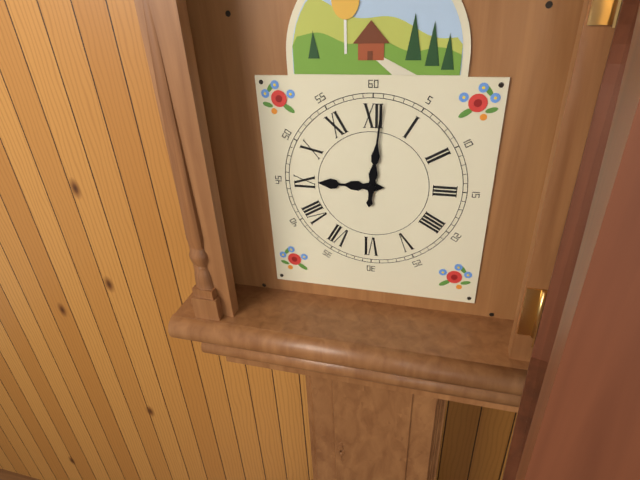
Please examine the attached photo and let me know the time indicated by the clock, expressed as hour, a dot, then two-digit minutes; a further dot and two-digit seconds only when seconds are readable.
9.01
